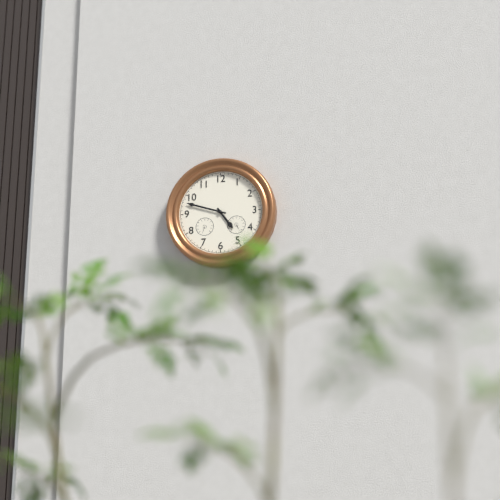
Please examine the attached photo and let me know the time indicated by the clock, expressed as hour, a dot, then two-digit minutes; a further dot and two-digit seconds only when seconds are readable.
4.48
